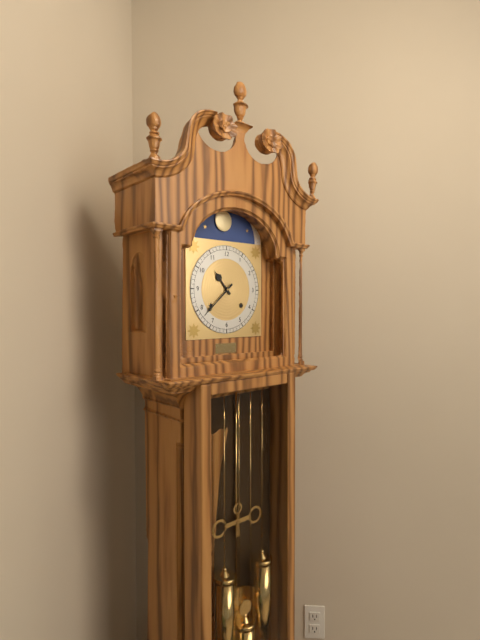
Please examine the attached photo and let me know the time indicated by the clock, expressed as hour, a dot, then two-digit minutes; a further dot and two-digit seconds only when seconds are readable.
10.38
